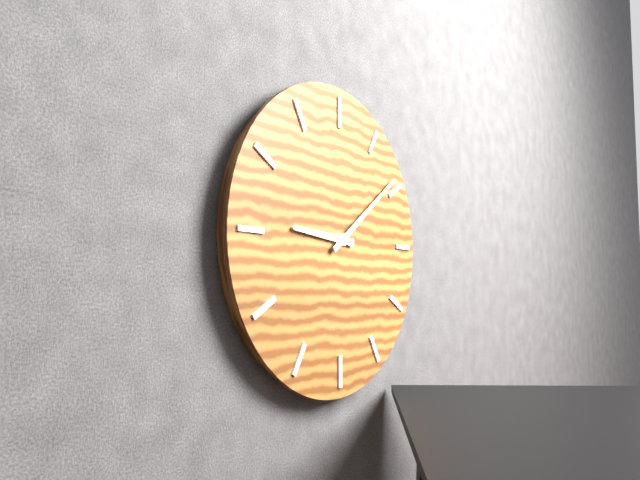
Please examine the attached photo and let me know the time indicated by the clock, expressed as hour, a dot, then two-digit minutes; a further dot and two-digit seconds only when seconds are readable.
9.09
